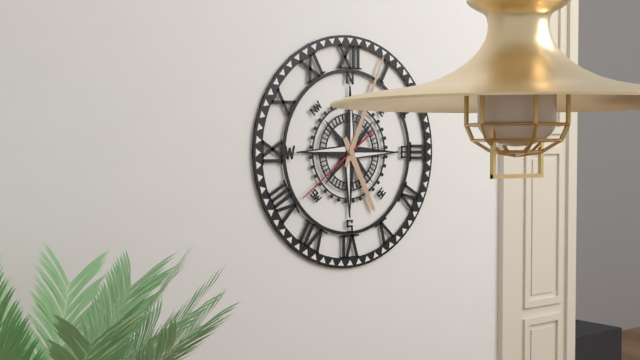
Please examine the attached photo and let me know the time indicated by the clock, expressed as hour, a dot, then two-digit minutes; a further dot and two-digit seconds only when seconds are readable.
5.04.39
